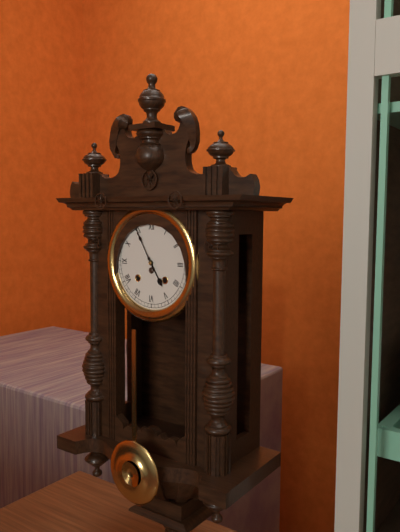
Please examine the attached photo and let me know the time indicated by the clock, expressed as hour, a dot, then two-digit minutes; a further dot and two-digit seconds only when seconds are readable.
4.55
